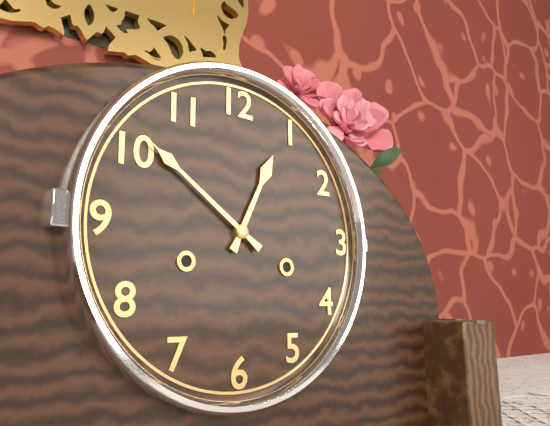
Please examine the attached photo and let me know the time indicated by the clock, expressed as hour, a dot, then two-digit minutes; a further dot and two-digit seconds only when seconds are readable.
12.51
